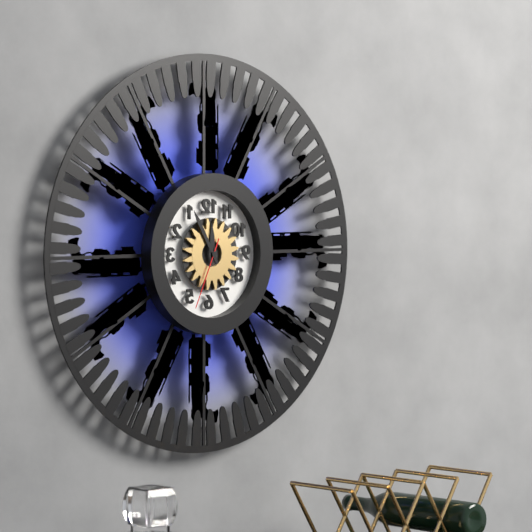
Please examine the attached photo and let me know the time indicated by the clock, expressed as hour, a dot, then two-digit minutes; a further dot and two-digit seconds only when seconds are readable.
11.55.34
